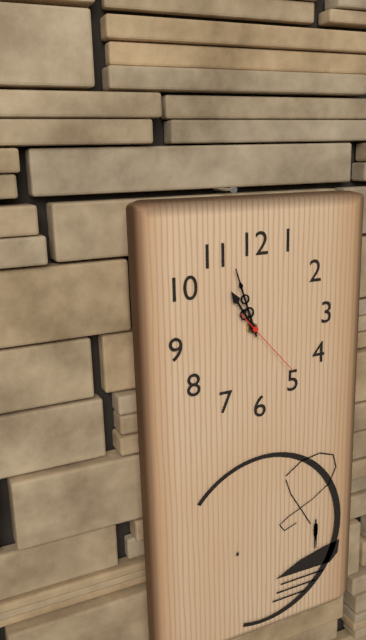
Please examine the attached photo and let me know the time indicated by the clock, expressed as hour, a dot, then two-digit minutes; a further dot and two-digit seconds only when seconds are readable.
10.57.23
